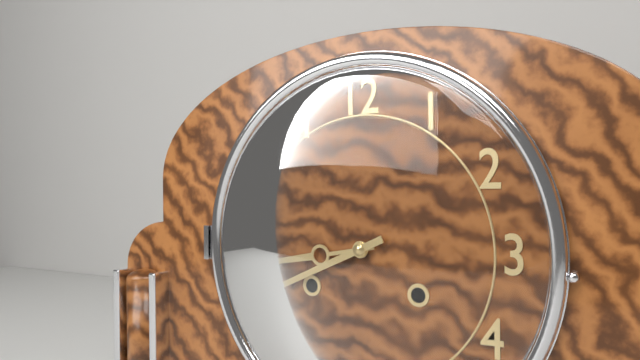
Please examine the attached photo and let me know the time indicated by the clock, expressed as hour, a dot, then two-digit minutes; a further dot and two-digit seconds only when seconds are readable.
8.41
